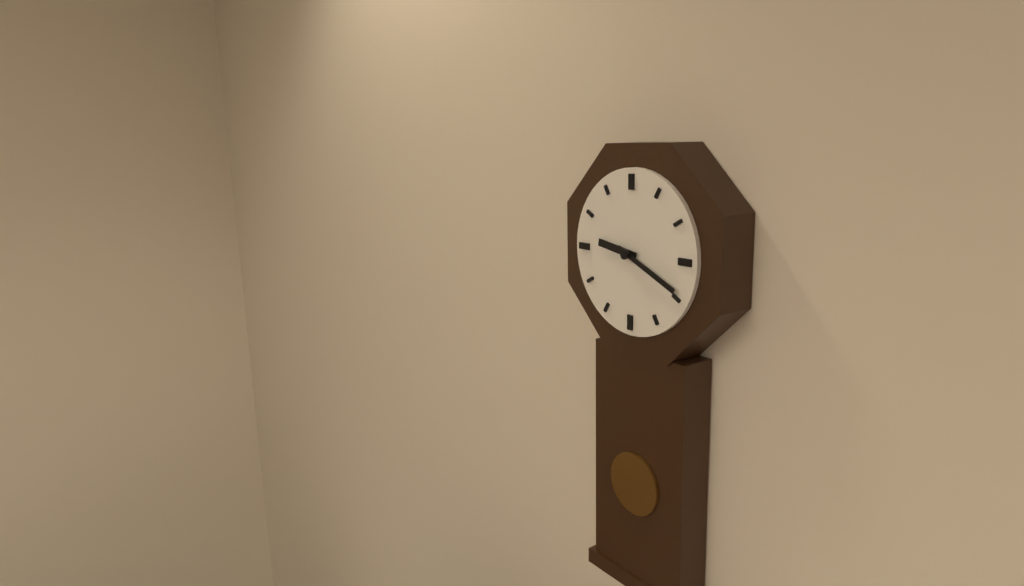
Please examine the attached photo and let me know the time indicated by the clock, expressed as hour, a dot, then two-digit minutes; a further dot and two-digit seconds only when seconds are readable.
9.19
